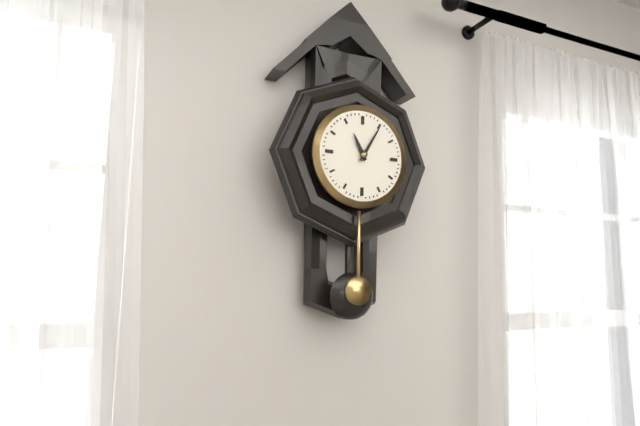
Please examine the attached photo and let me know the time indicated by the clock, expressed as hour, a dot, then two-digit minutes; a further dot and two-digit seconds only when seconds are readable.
11.05
